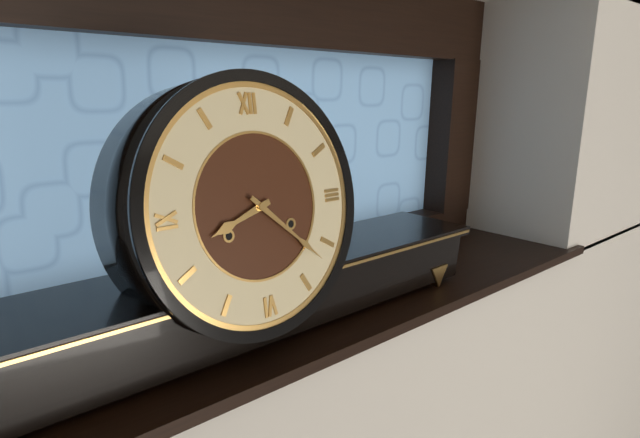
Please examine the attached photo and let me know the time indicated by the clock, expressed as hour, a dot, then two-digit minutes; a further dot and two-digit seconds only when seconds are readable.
8.22
